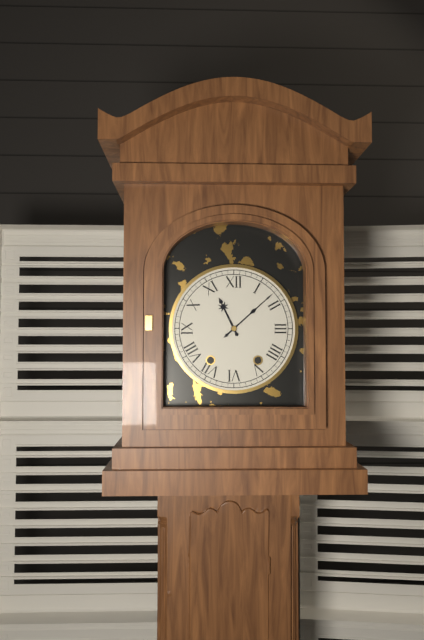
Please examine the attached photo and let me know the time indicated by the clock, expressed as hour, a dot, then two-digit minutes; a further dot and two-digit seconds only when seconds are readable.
11.08
